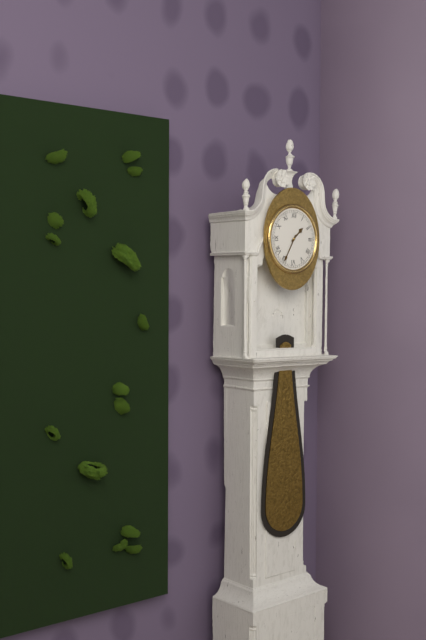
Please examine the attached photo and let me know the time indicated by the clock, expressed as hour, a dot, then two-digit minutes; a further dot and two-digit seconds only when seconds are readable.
1.35
